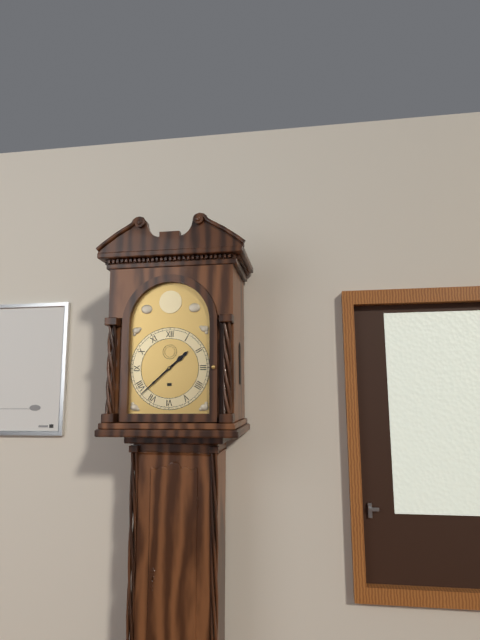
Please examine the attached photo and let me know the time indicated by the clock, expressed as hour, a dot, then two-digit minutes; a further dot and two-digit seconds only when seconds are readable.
1.38
